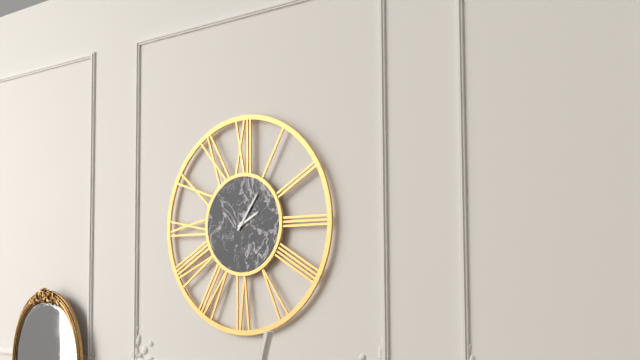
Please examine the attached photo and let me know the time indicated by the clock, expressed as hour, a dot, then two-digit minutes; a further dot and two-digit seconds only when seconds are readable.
2.06
